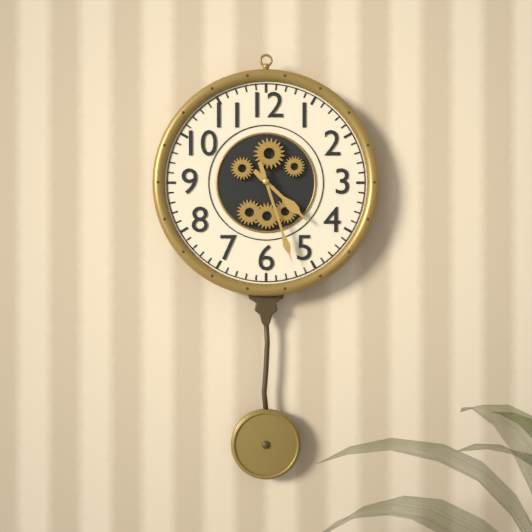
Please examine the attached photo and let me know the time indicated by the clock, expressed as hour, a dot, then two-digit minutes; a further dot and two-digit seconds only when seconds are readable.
4.27
